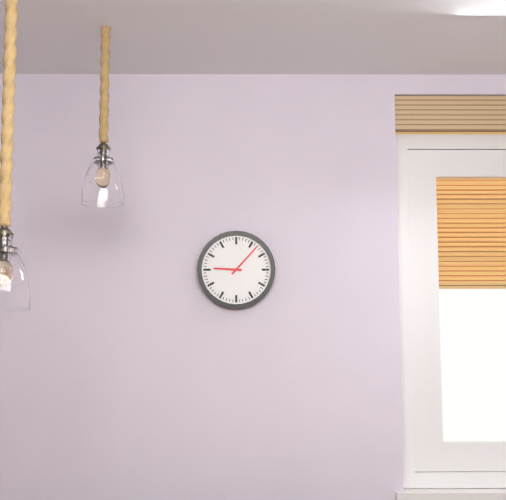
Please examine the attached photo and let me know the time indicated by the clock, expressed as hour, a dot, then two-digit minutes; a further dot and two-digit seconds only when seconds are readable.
9.07
